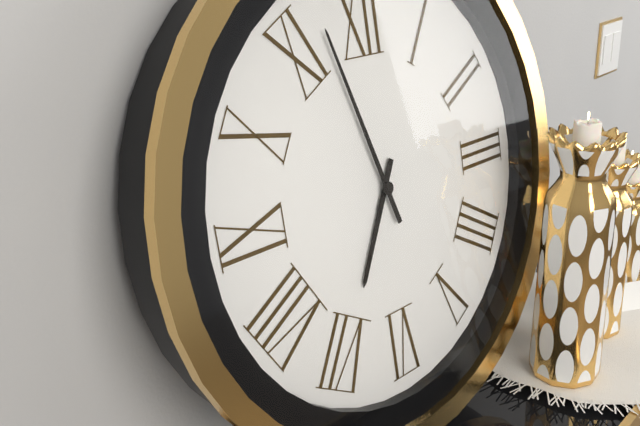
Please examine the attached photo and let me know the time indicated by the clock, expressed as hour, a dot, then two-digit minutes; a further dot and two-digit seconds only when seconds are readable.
6.57
